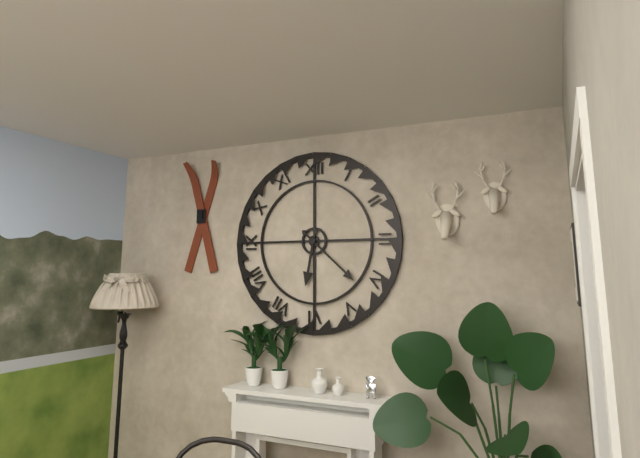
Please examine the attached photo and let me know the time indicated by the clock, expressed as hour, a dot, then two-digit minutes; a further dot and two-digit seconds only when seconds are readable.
6.22
